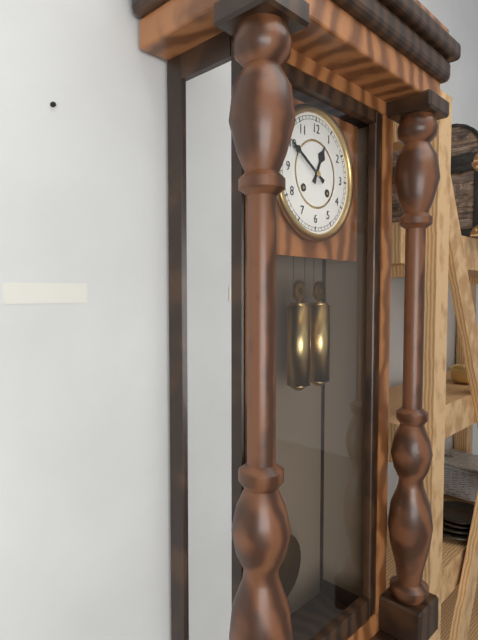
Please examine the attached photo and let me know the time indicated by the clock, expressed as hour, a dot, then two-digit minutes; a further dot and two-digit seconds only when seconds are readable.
12.50
